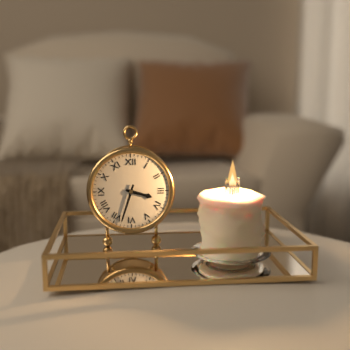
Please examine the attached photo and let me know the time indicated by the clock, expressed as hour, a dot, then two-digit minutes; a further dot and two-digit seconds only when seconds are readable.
3.33
